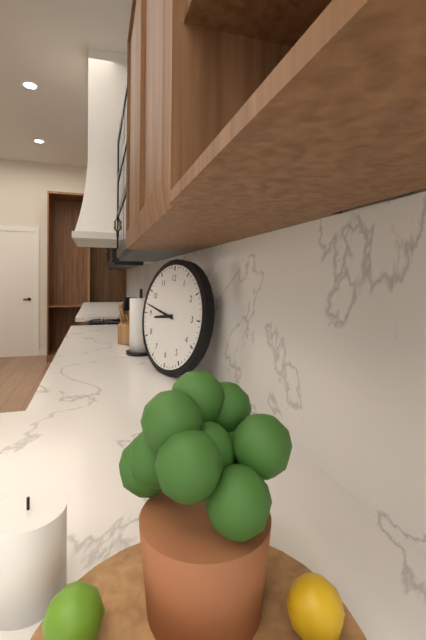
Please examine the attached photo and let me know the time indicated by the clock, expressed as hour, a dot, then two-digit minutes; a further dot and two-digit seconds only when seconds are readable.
8.47
